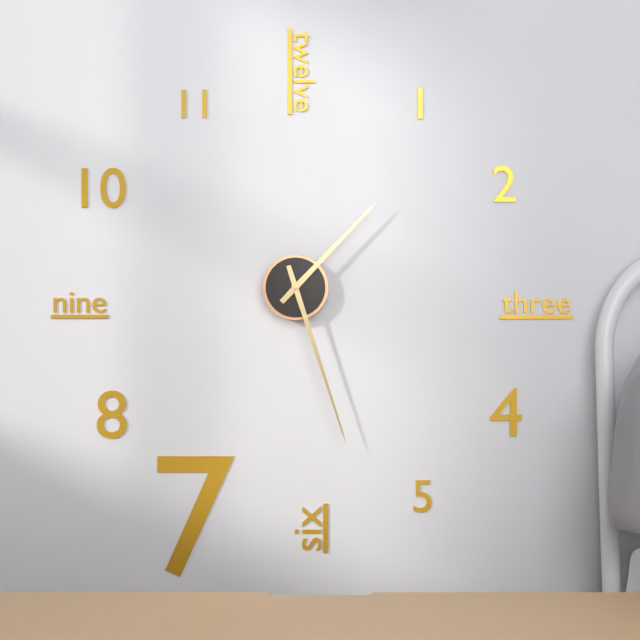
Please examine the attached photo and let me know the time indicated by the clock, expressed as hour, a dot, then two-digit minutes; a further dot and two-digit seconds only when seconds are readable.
1.27
